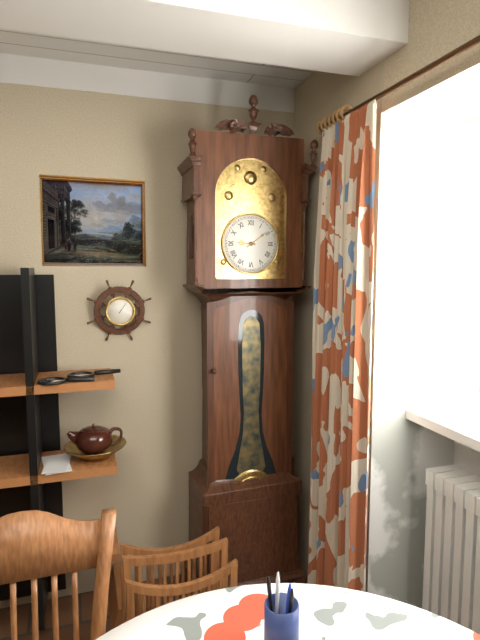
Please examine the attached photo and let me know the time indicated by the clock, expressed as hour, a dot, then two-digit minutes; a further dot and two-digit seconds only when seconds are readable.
9.09
